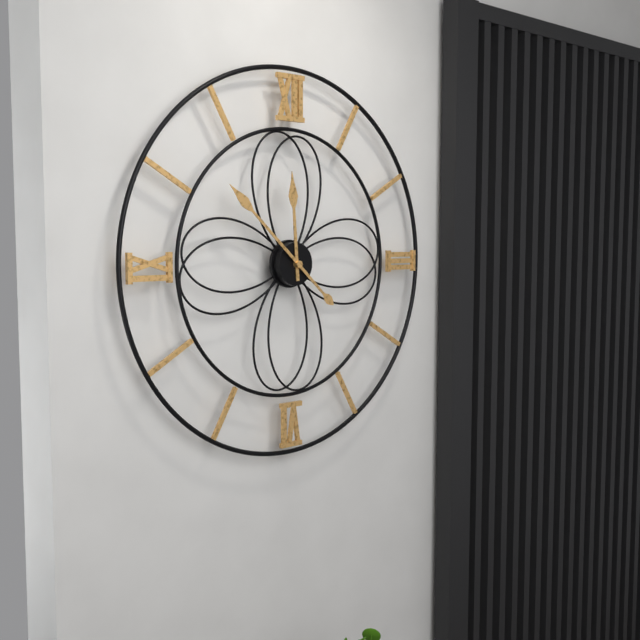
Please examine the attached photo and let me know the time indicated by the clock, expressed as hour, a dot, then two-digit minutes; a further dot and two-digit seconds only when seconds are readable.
11.52
